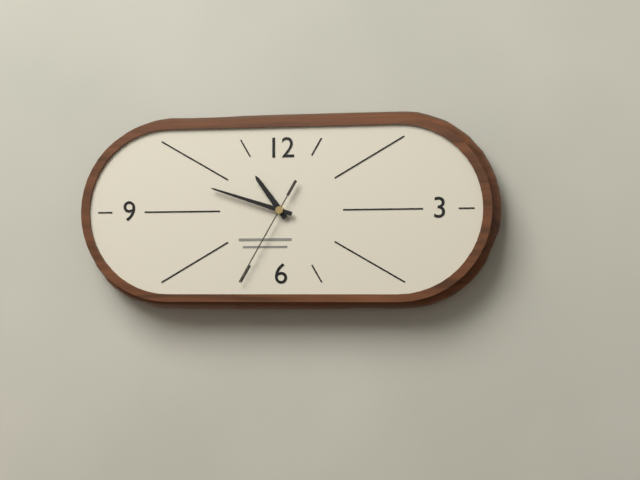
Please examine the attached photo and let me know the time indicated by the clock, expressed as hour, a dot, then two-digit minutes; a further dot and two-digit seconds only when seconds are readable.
10.48.35
